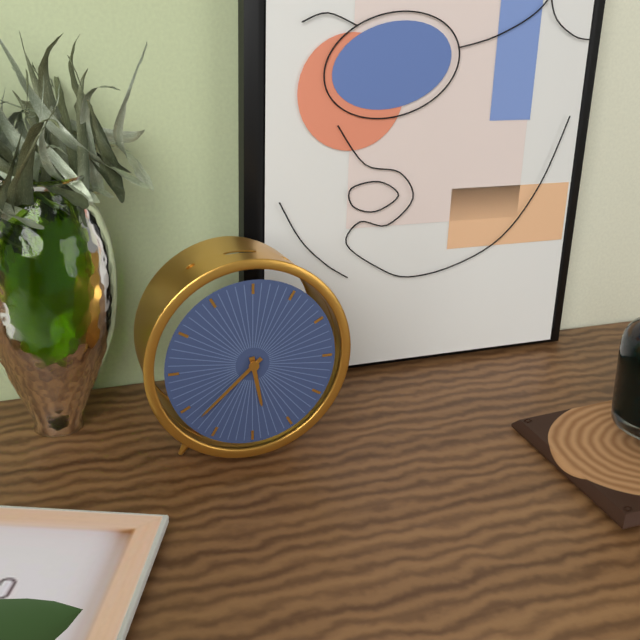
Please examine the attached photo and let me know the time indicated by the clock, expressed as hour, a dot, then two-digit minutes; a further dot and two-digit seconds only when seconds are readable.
5.38
